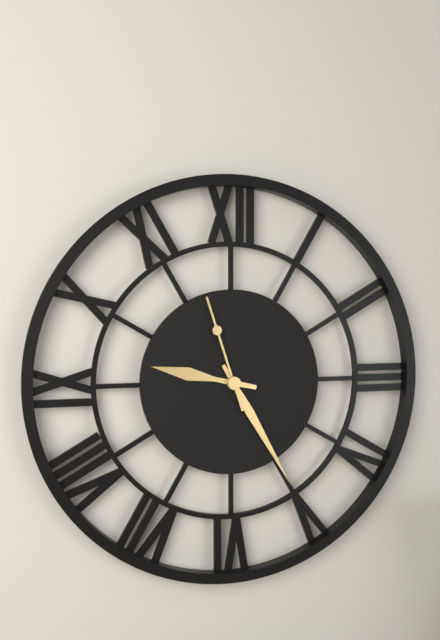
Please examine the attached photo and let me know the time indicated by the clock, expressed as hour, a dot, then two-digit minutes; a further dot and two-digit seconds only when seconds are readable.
9.25.57
